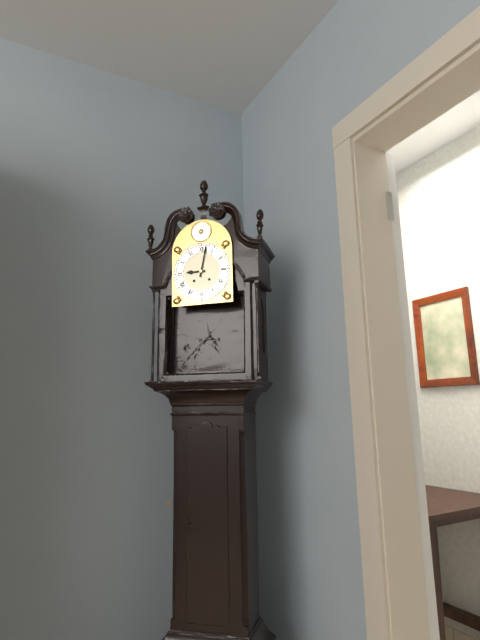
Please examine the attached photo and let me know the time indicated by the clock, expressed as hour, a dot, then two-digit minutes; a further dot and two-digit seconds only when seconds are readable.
9.02
